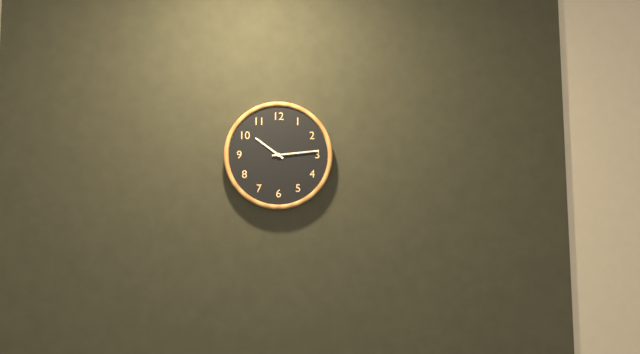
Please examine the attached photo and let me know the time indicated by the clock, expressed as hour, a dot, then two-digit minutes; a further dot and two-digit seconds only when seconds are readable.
10.14
